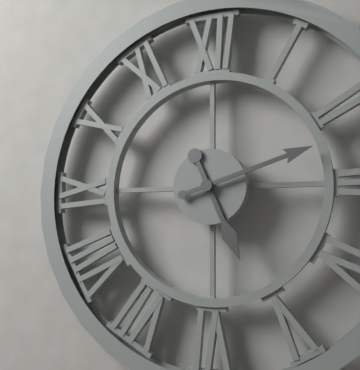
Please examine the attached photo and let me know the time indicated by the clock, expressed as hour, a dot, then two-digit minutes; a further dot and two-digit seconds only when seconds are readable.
5.12
